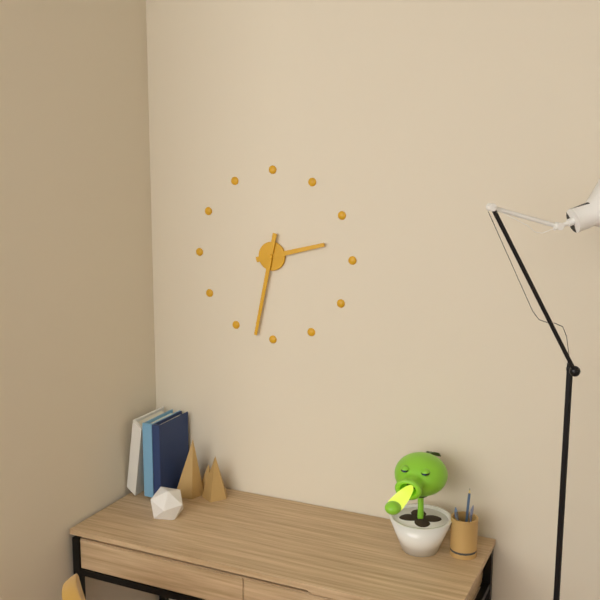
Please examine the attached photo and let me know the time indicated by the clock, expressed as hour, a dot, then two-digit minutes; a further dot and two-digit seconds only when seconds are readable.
2.32
